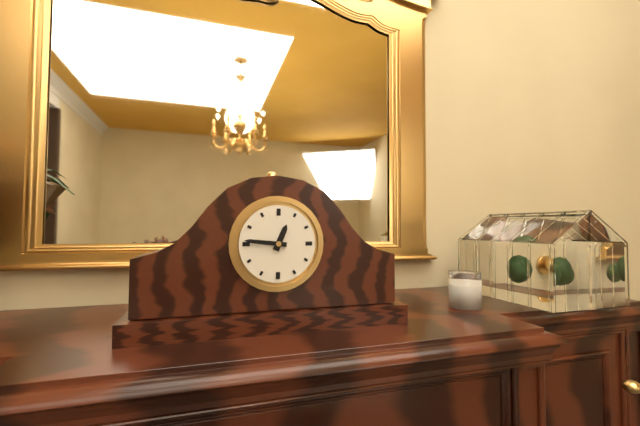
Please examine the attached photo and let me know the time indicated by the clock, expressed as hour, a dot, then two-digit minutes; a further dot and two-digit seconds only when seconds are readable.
12.46
